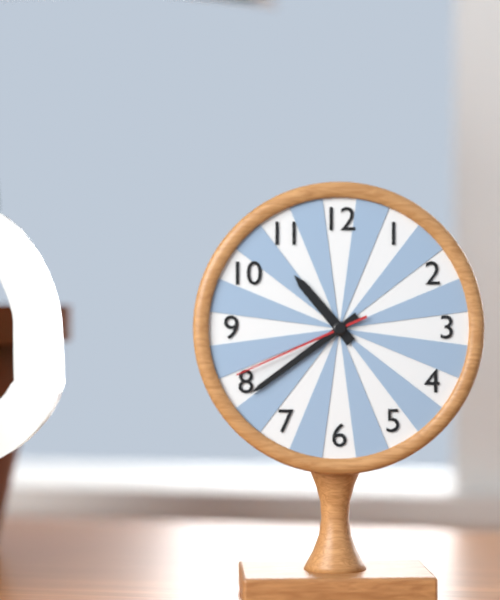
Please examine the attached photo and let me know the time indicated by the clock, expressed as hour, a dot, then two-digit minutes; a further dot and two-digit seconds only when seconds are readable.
10.39.41
